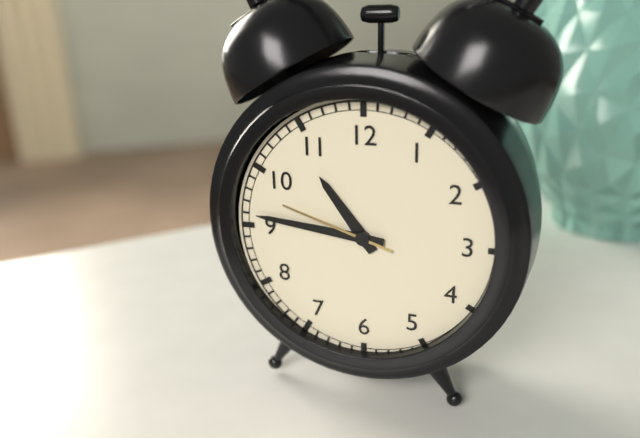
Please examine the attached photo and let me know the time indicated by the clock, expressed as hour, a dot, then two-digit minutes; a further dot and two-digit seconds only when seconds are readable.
10.46.48
